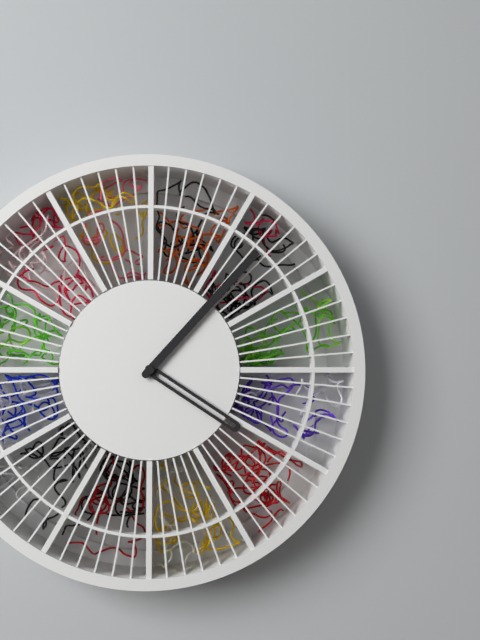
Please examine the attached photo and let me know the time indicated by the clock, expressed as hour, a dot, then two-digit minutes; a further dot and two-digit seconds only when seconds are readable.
4.07
